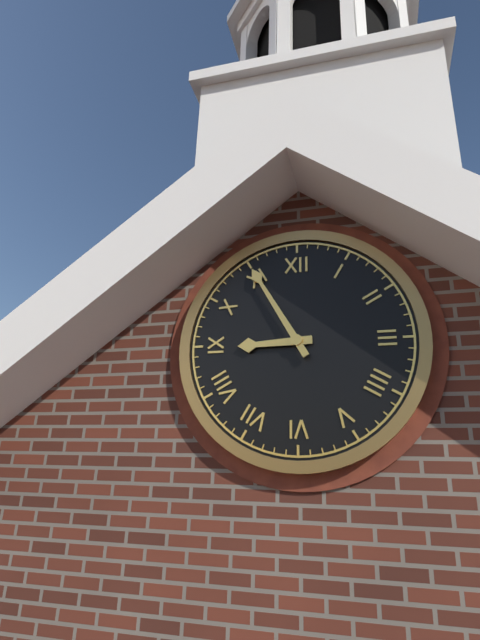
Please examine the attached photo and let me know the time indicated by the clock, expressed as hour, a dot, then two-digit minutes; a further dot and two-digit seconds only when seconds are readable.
8.55
